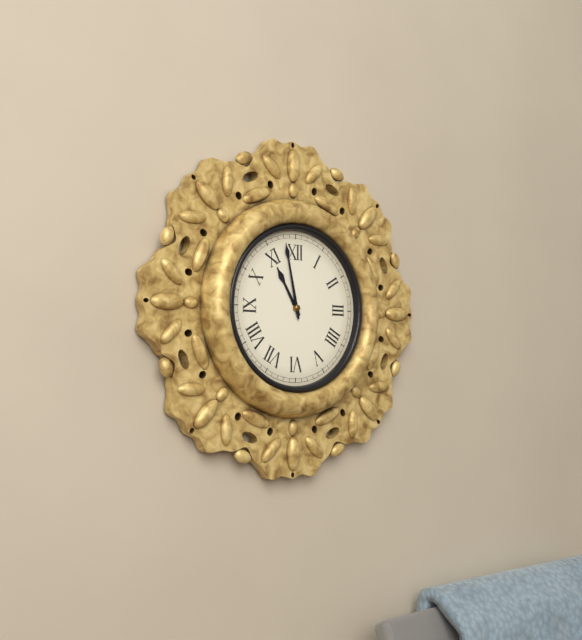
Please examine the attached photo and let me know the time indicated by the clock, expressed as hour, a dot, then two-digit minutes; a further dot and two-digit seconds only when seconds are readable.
10.58
